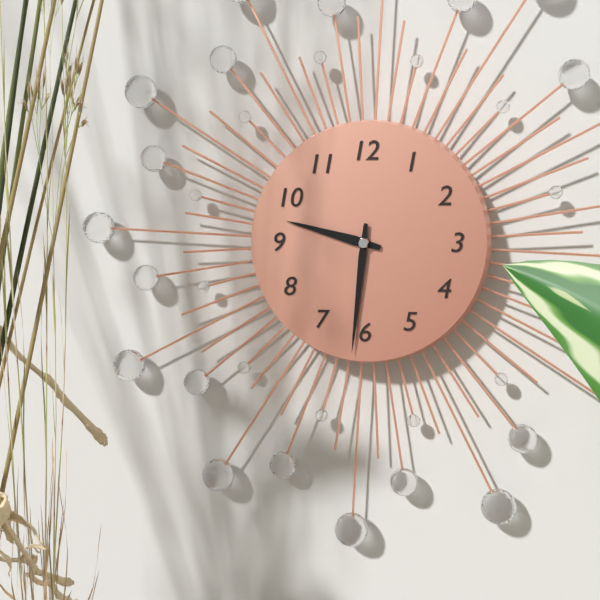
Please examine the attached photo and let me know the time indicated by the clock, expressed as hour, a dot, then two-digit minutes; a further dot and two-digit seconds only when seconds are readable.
9.31
